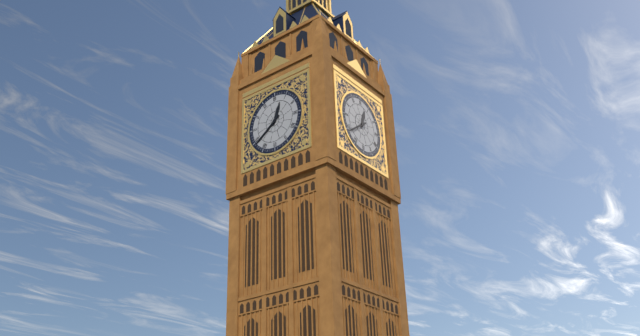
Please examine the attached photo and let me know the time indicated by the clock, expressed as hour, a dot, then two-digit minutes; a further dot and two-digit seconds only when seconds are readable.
12.39
